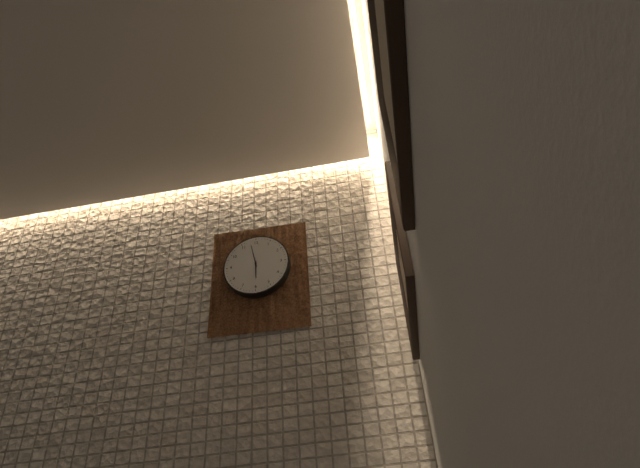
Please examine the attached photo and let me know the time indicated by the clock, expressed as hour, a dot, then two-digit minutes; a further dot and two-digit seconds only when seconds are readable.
5.58
